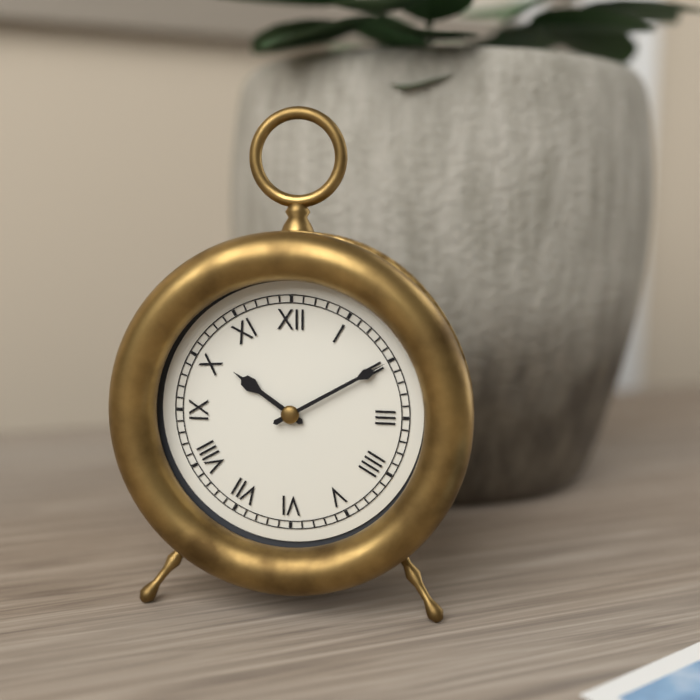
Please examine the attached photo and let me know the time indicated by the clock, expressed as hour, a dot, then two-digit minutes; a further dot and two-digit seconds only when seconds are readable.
10.10
